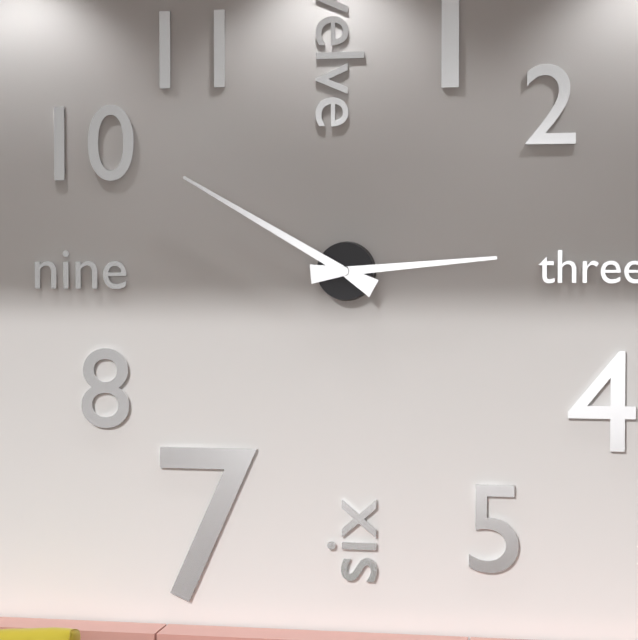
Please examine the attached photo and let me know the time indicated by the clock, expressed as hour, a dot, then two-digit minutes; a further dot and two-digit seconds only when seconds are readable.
2.50
